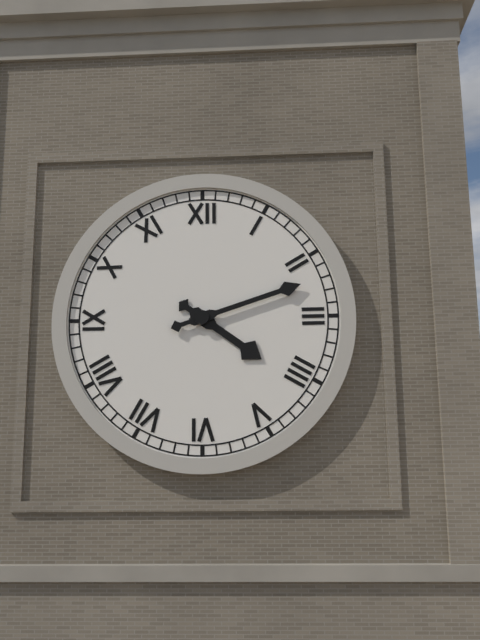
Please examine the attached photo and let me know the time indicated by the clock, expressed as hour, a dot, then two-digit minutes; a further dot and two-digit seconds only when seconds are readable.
4.12
